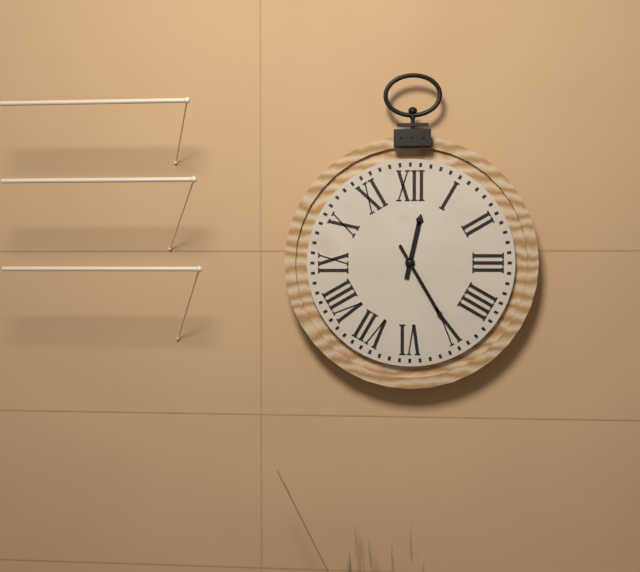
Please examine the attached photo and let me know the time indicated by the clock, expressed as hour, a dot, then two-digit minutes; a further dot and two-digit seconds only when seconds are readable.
12.25
